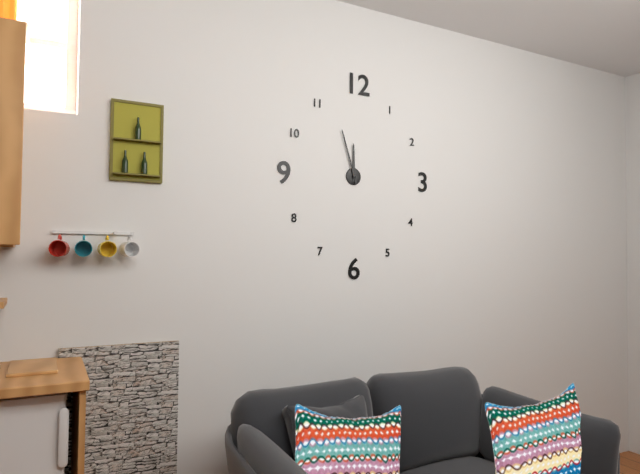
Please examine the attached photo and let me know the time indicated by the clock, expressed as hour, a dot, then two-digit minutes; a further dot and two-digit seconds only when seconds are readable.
11.57
